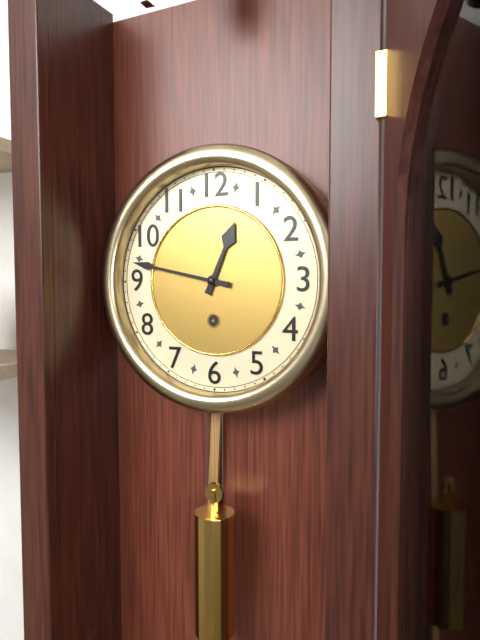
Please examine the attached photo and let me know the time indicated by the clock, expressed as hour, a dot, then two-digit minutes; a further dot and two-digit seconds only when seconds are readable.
12.47
